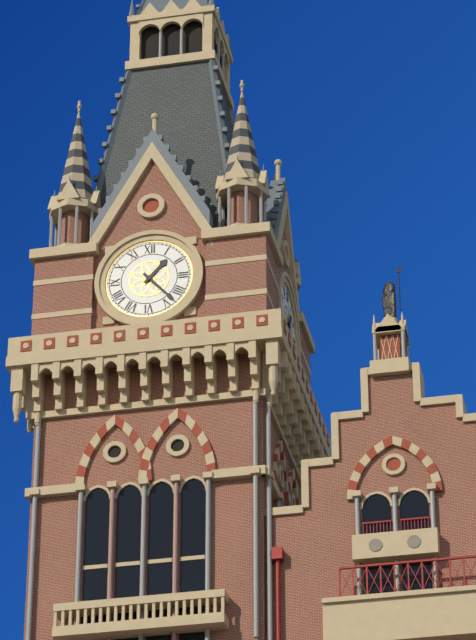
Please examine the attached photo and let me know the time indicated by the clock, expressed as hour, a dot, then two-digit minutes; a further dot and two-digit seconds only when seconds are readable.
1.23
